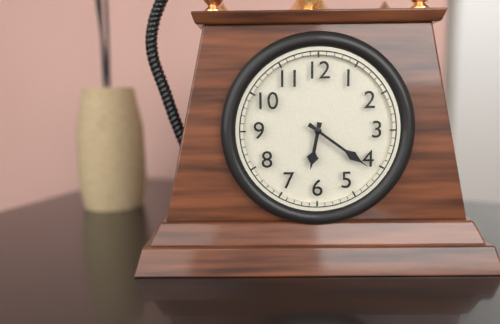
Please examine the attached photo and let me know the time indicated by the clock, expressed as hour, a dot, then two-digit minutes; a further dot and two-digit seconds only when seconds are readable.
6.21
